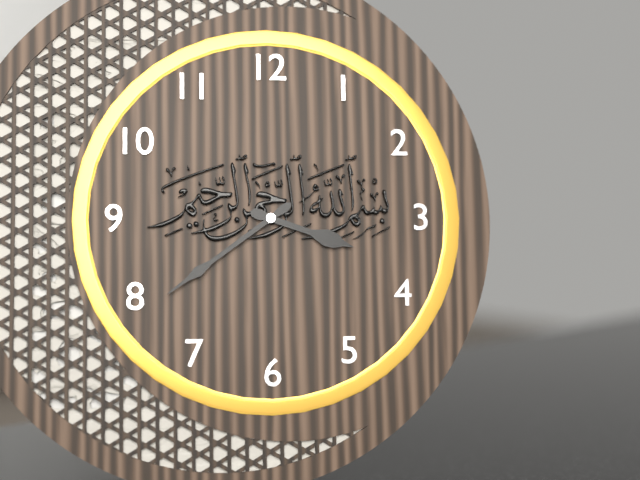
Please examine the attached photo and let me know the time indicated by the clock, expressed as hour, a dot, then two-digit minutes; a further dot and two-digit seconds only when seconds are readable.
3.39
